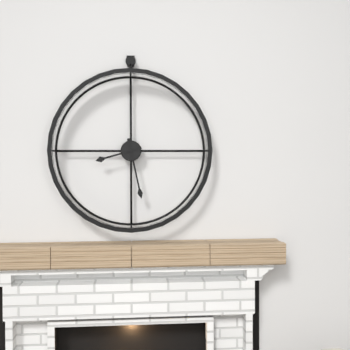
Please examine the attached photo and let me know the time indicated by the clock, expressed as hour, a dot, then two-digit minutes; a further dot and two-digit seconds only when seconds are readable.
8.28
